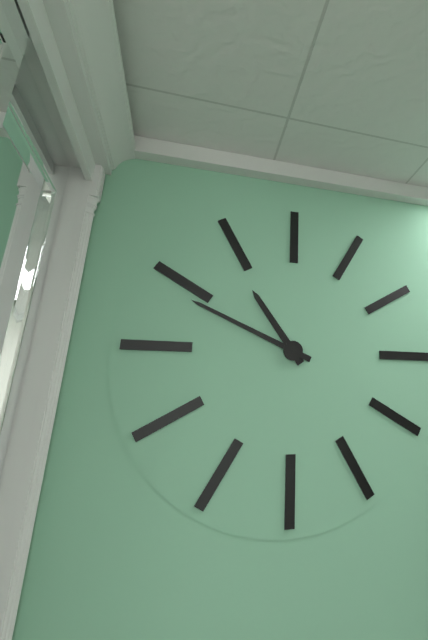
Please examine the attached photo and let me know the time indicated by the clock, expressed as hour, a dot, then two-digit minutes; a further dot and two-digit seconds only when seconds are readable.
10.49
